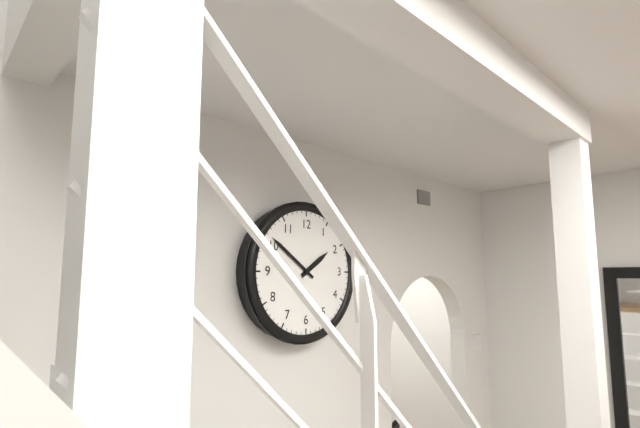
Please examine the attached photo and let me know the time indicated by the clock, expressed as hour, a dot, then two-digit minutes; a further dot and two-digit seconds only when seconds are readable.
1.51
